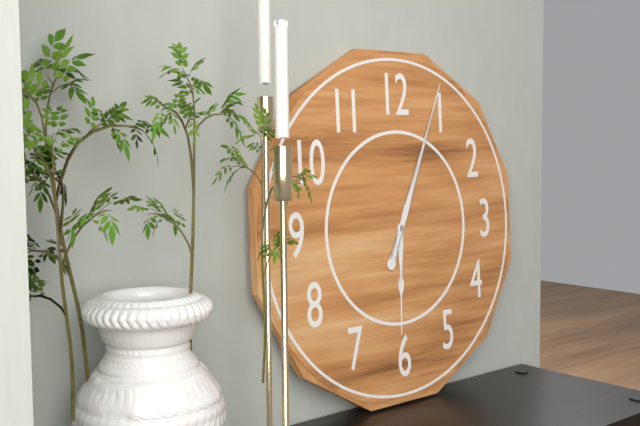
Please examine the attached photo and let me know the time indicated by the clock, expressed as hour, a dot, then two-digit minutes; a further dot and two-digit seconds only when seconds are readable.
6.04
